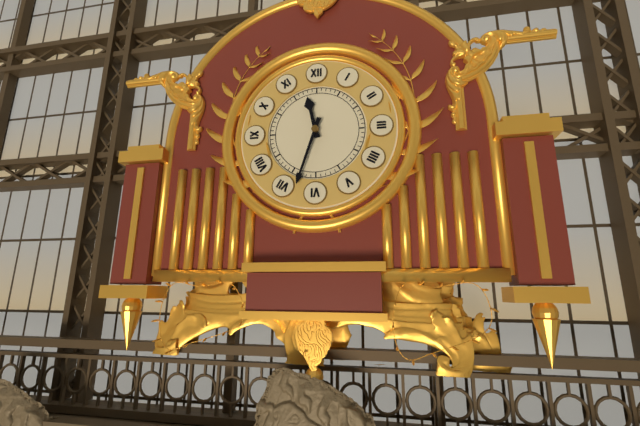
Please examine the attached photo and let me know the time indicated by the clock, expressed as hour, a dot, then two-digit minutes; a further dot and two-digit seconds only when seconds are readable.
11.33
